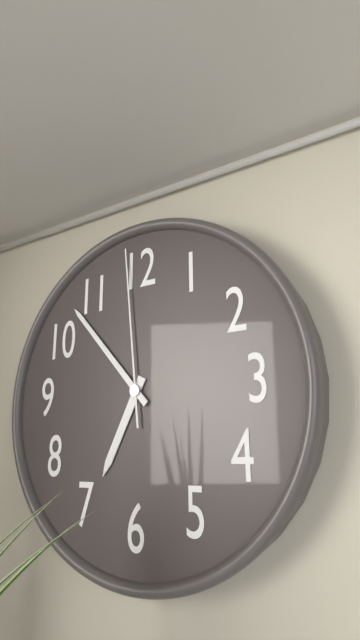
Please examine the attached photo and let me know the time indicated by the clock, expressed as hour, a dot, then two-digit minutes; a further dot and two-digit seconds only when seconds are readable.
6.53.59
